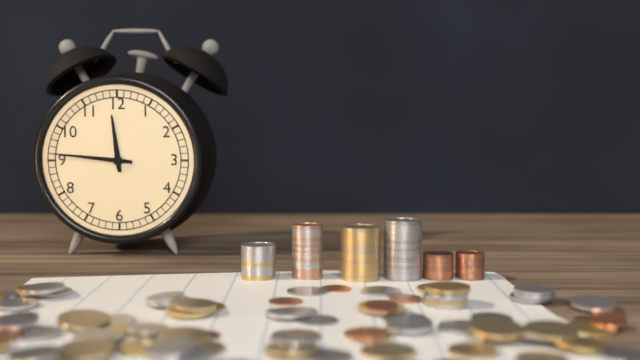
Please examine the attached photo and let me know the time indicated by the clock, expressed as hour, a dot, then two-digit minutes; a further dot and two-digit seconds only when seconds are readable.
11.46
